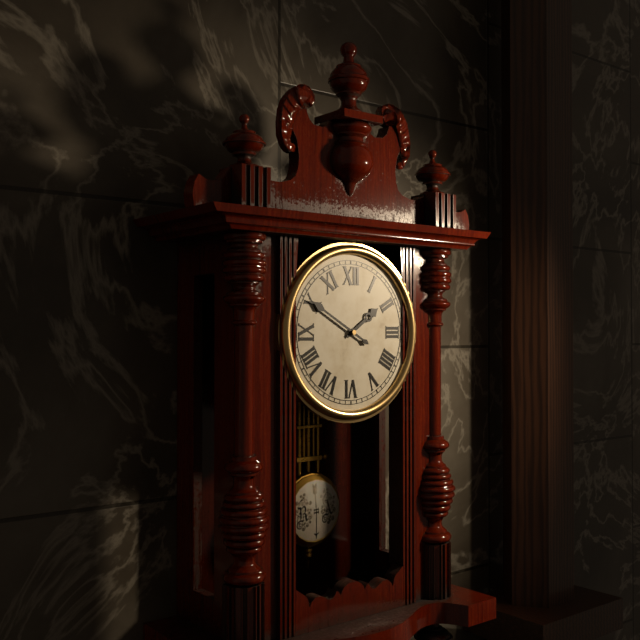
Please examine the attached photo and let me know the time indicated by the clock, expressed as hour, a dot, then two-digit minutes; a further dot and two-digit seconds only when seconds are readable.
1.50
